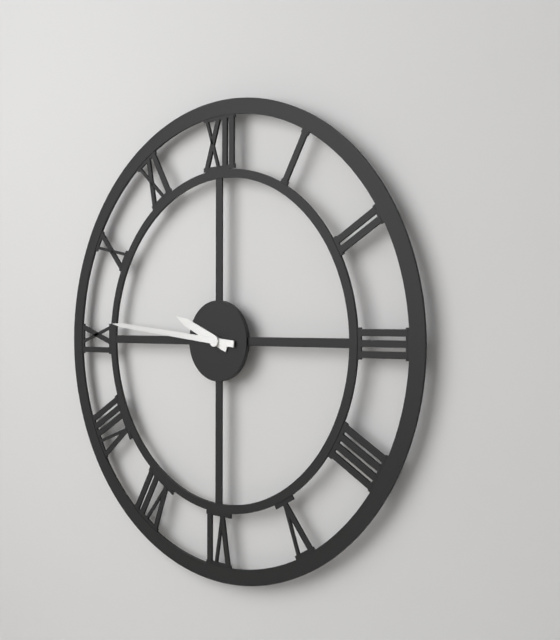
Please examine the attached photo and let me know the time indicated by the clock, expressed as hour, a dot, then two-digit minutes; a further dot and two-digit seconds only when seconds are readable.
9.46
